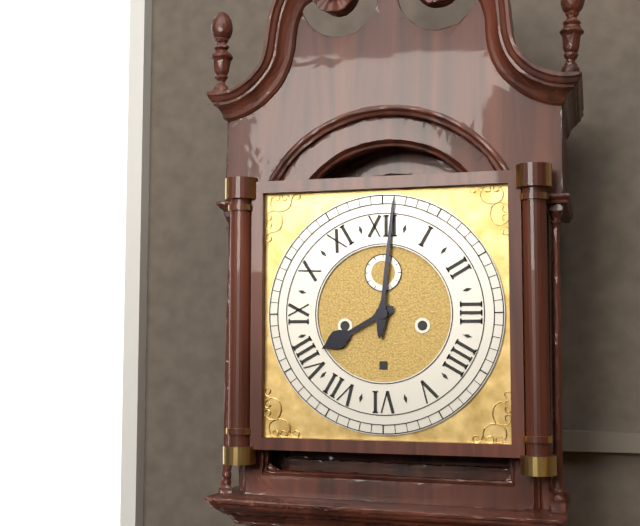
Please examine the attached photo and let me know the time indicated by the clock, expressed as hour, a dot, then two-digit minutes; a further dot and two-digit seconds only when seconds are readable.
8.01
